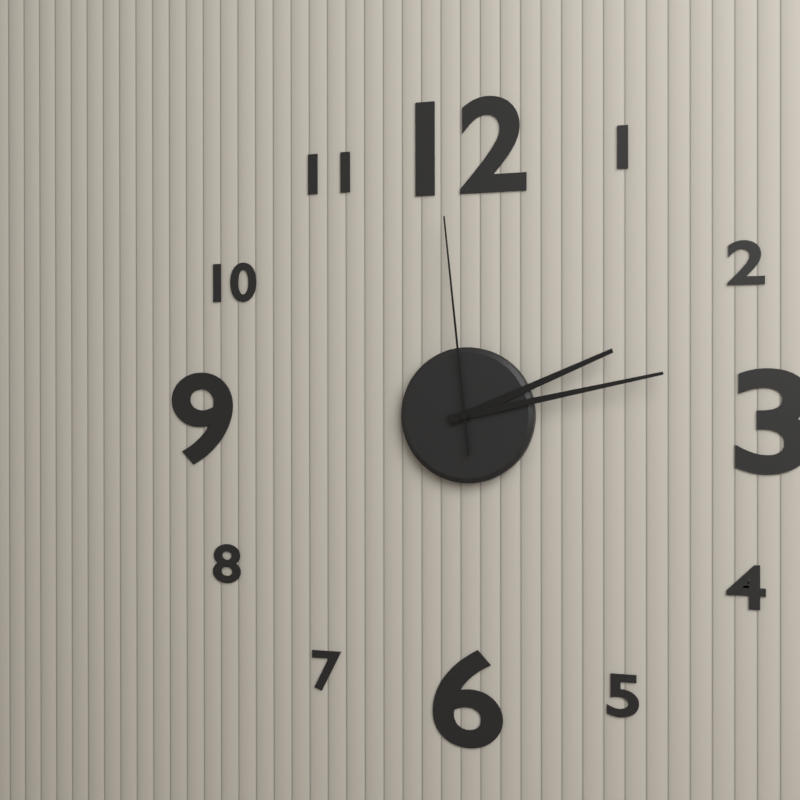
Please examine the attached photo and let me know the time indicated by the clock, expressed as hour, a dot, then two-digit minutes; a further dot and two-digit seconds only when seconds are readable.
2.13.59
